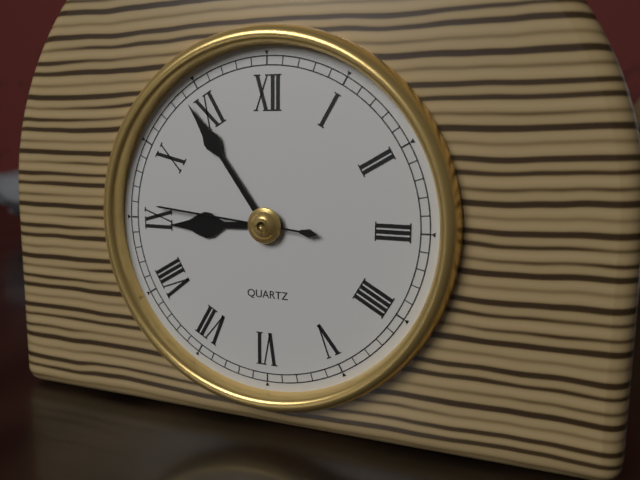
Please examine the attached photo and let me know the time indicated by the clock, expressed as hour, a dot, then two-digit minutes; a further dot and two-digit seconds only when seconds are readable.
8.54.46
